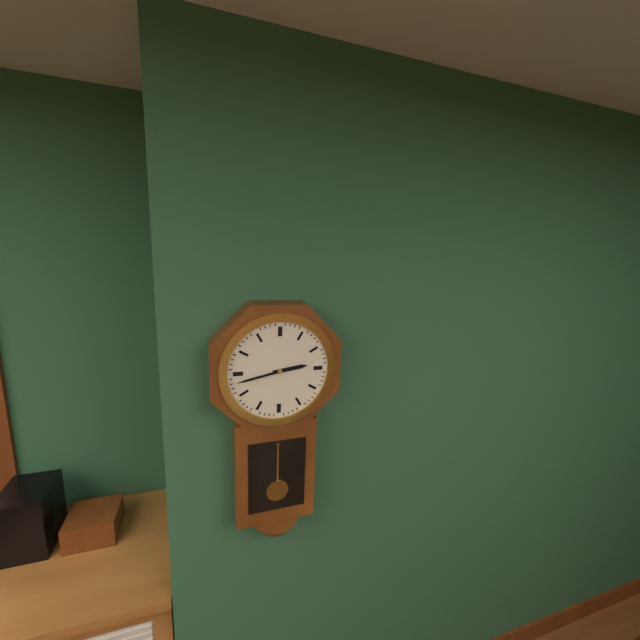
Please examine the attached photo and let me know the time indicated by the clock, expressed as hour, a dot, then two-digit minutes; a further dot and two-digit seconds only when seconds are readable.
2.43
